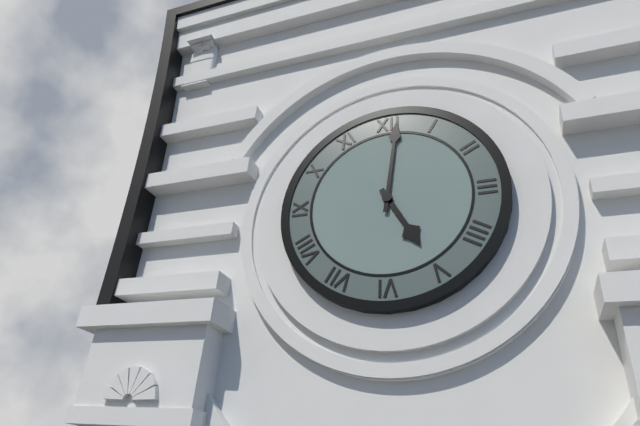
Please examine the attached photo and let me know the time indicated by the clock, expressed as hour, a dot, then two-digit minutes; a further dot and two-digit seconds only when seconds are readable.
5.01
